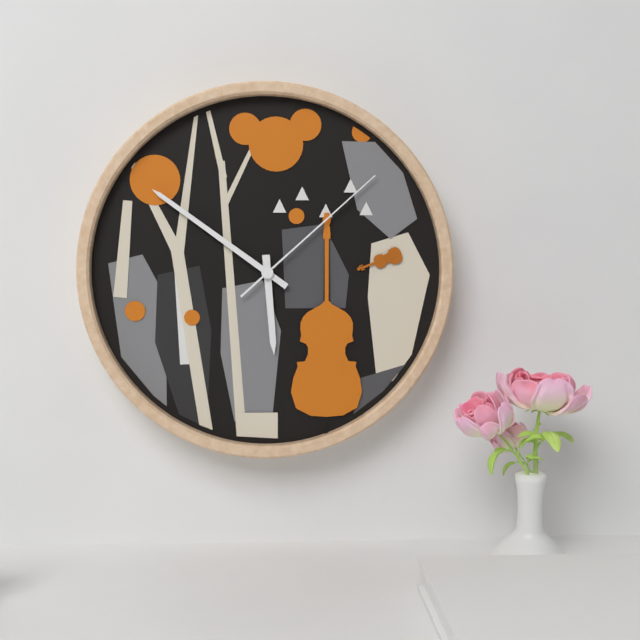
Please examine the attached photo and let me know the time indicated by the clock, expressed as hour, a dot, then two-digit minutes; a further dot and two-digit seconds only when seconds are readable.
5.51.08
